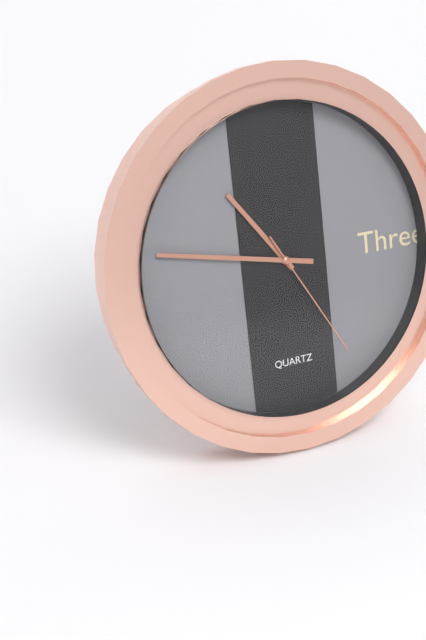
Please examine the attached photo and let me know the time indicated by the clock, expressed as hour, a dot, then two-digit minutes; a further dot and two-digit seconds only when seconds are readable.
10.47.25
